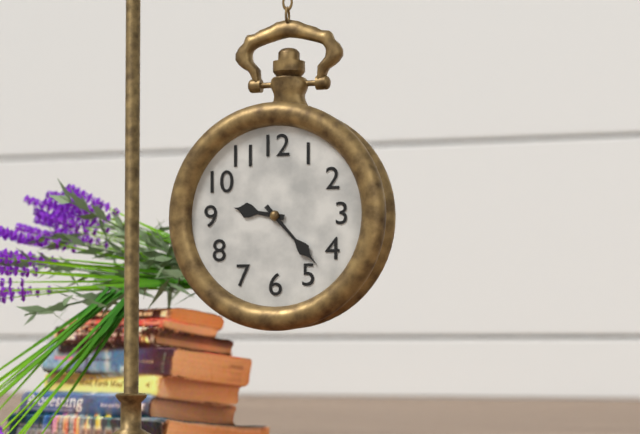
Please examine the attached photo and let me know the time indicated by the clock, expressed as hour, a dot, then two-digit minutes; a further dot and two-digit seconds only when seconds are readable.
9.23
